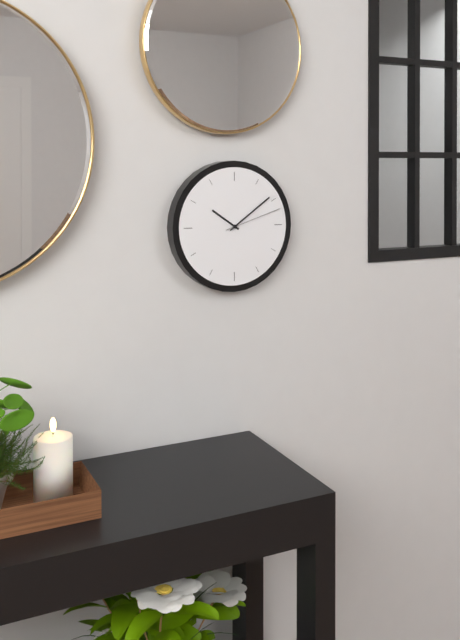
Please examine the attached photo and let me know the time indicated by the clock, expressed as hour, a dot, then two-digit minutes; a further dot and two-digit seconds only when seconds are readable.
10.09.12
